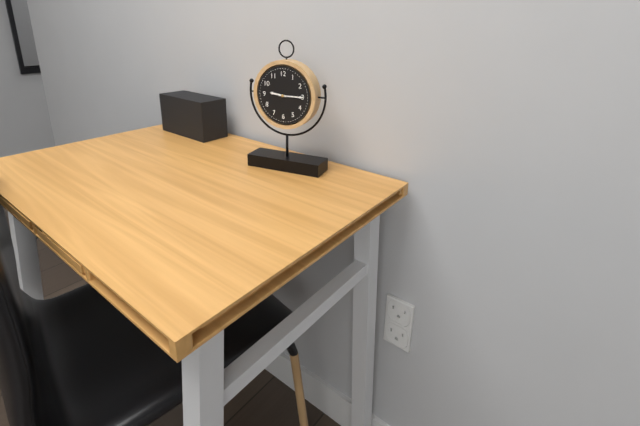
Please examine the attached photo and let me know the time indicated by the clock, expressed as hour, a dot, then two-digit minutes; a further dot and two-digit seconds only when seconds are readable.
9.15
